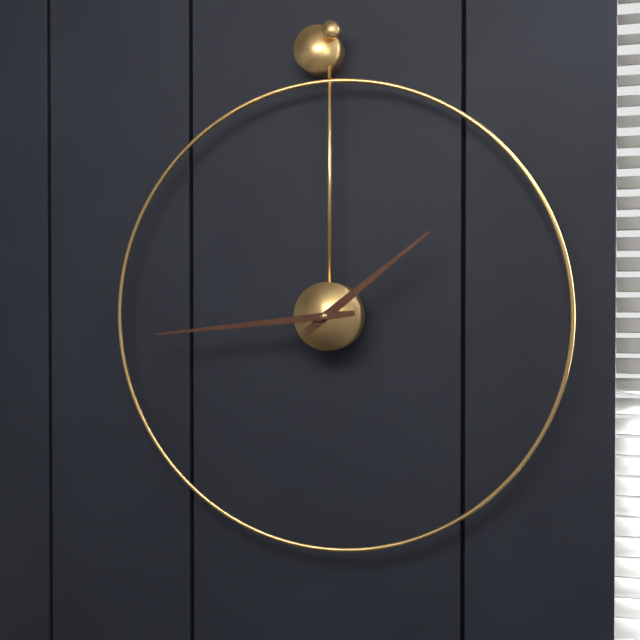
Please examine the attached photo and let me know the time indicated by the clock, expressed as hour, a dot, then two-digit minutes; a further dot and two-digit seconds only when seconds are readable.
1.44
